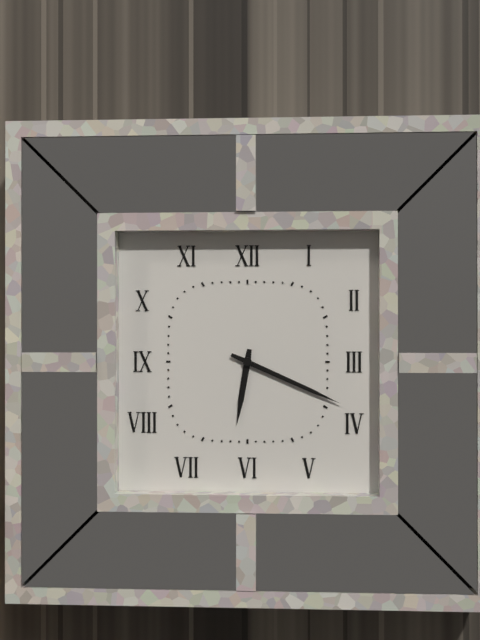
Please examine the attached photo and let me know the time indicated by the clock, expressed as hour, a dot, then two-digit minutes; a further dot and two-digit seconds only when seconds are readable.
6.19
